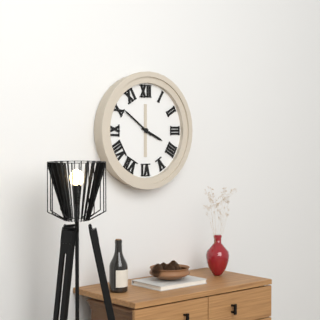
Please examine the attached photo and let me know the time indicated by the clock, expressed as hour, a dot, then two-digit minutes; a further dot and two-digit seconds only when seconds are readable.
3.51
